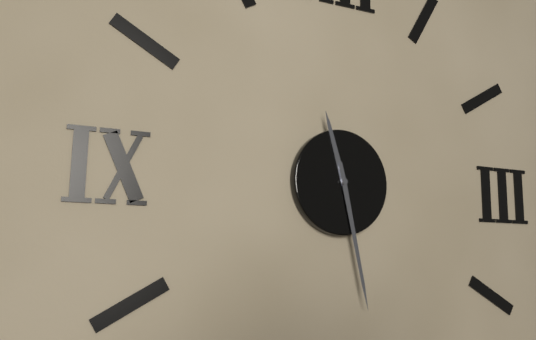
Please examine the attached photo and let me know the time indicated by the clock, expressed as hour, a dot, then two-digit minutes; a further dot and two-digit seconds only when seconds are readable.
11.28
